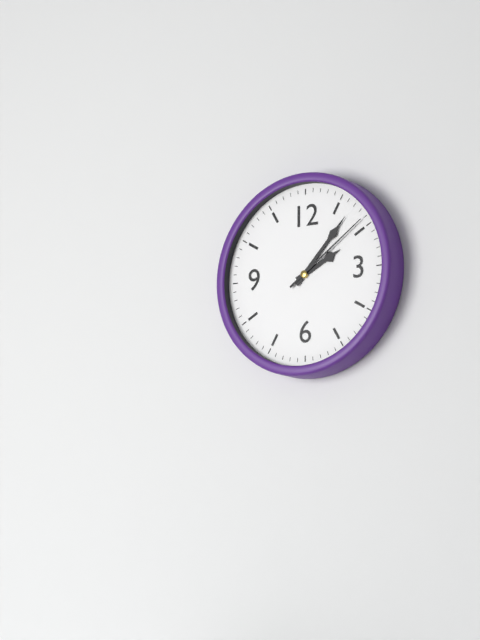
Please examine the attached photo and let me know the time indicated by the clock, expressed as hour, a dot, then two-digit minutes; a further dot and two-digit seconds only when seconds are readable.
2.07.09
